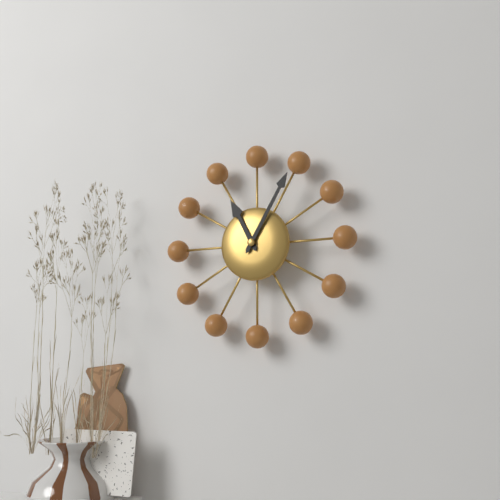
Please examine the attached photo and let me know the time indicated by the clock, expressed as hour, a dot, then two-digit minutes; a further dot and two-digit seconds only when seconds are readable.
11.05
